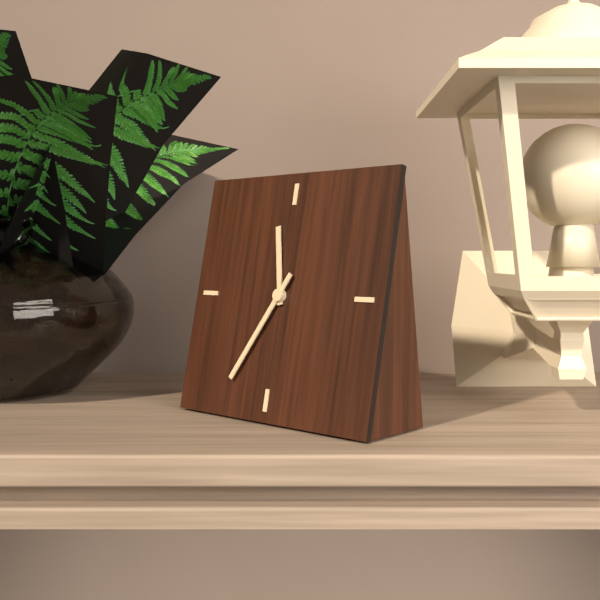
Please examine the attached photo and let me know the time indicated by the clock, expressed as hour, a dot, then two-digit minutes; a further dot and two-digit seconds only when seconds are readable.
11.35
